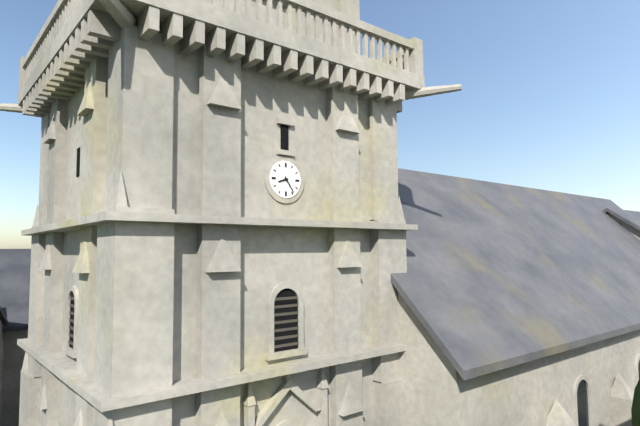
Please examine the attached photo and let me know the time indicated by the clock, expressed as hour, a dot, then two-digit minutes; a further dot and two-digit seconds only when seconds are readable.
8.24
